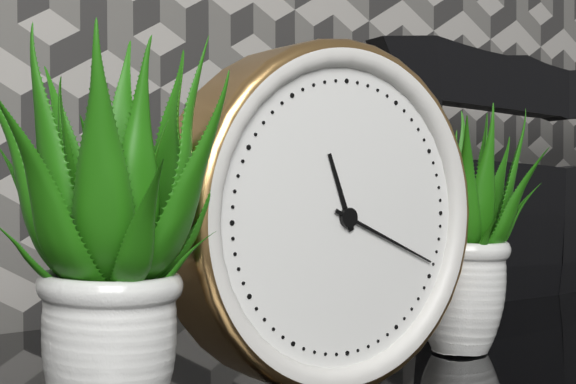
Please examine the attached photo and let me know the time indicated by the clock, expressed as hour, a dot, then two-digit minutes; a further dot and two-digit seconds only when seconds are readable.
11.19
